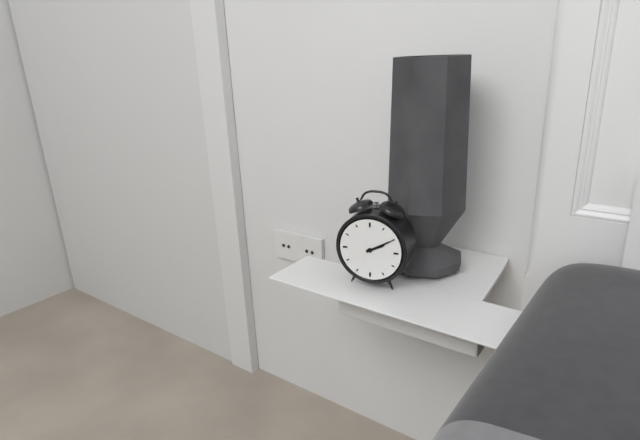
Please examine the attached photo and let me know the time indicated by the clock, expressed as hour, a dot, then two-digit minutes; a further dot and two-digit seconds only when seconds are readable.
2.10
